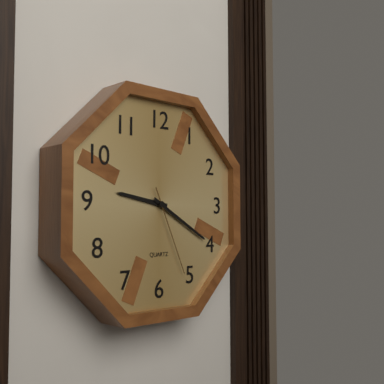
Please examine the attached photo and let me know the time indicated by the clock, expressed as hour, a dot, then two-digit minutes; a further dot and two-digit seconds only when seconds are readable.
9.20.26
